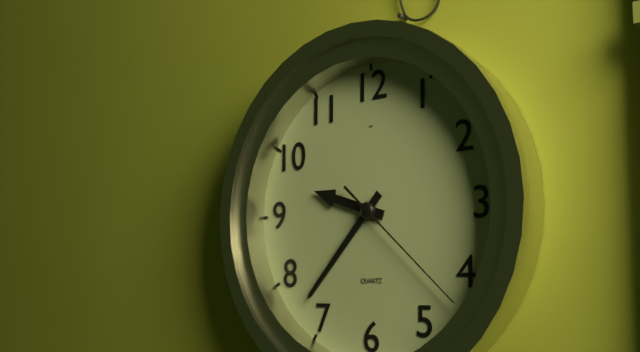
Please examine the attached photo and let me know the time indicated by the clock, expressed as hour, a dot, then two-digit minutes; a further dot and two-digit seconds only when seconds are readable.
9.37.22
